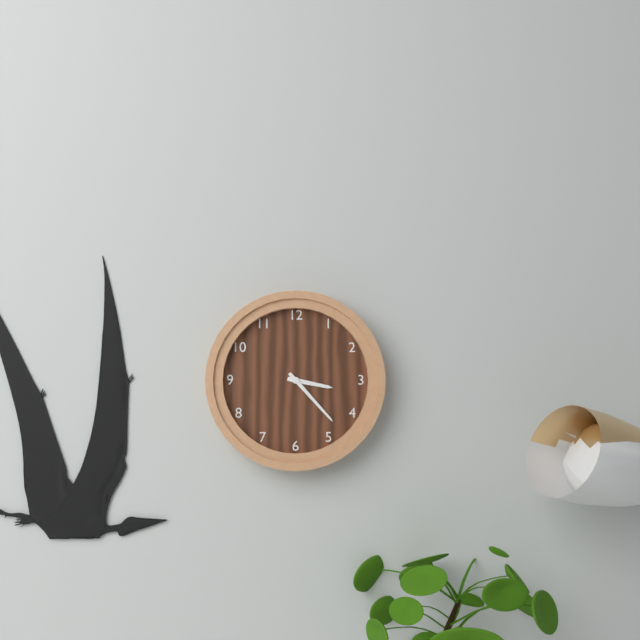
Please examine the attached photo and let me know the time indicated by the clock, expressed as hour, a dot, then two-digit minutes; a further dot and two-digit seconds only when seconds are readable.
3.23
